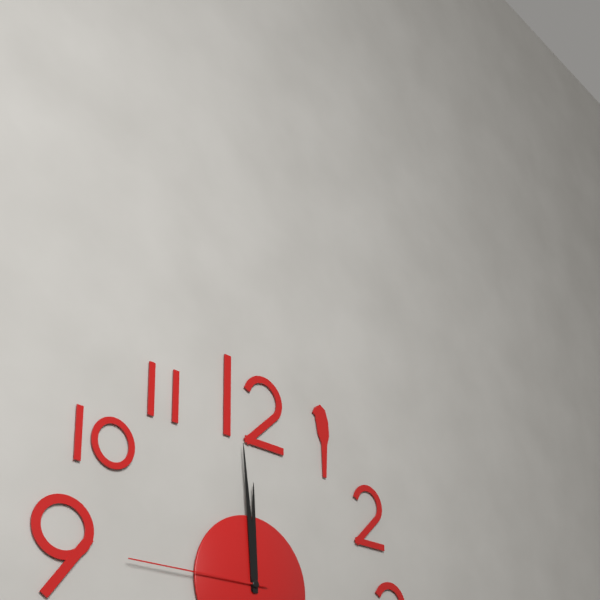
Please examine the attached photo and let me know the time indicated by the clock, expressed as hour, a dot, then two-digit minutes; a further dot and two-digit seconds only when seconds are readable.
11.59.45
